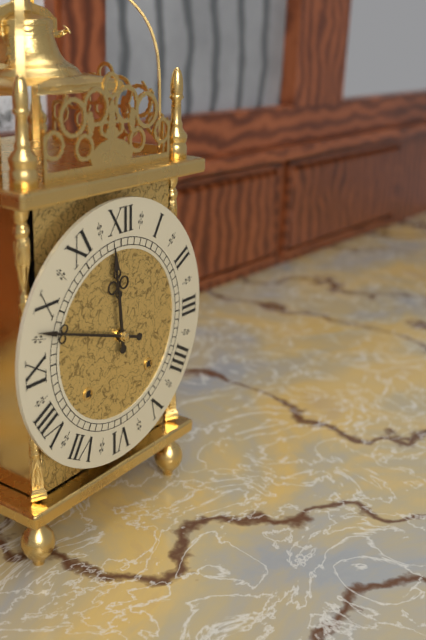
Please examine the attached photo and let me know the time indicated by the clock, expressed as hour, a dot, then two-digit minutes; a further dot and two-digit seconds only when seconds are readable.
11.48
